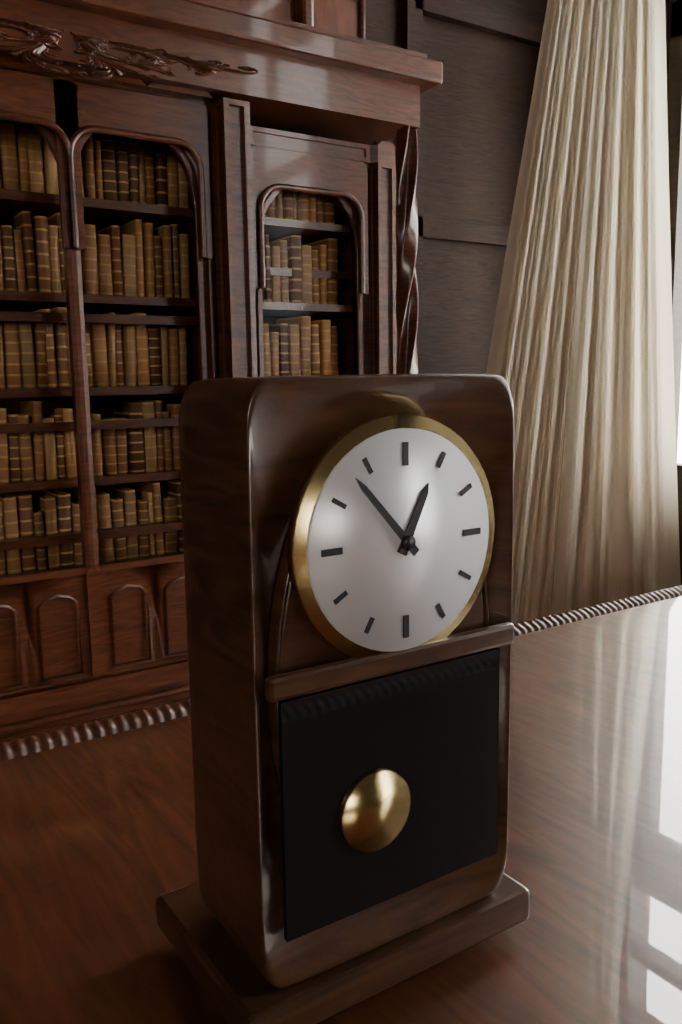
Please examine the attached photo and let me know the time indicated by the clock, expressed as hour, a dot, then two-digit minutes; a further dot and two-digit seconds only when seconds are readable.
12.53
